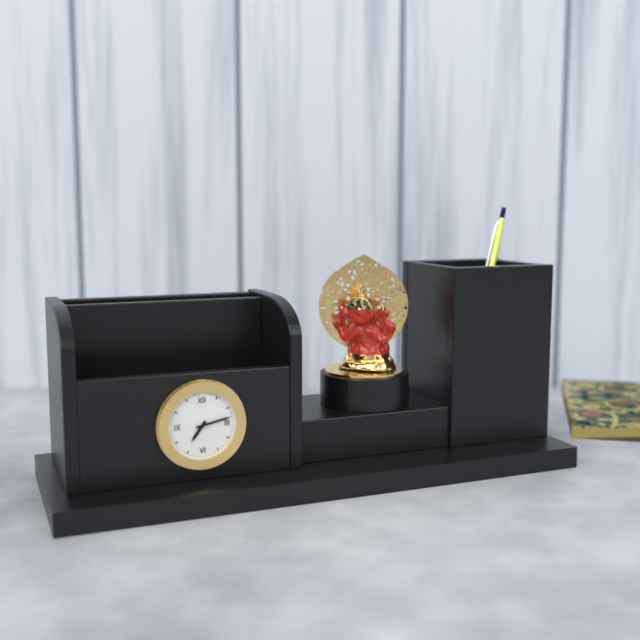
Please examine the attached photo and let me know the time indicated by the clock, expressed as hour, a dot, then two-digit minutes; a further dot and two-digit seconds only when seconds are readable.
7.13
